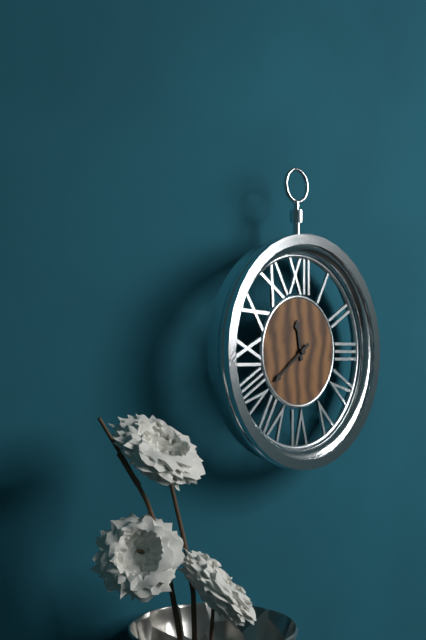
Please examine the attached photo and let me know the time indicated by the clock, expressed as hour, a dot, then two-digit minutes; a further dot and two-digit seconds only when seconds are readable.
11.39
